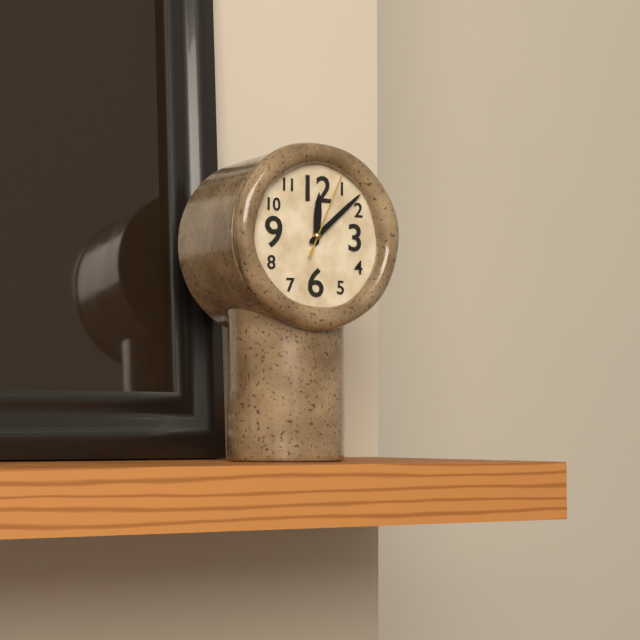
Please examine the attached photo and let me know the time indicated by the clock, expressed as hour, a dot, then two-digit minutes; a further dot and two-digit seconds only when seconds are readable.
12.08.04
